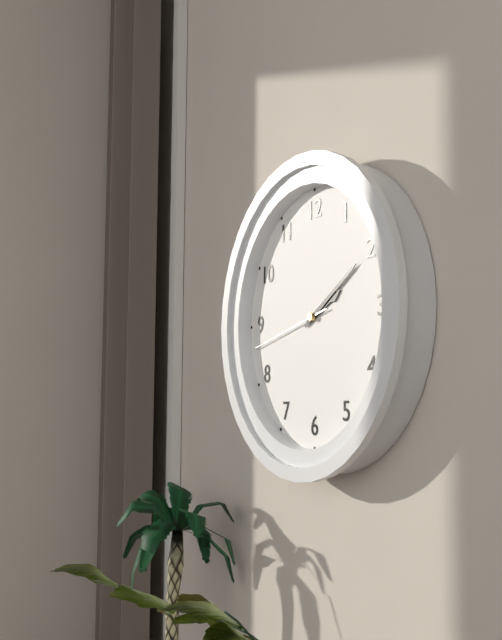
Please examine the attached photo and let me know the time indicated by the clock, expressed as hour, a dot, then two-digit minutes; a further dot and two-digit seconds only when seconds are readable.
2.10.43
